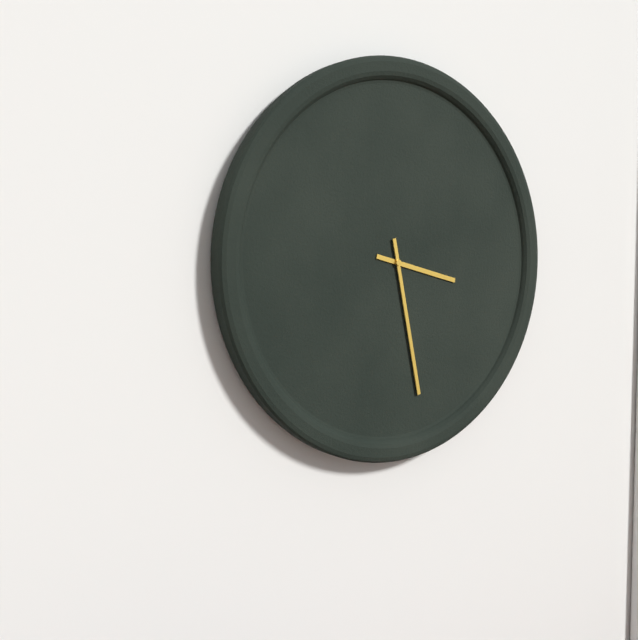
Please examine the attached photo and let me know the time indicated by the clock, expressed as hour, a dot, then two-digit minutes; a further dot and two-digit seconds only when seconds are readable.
3.28
